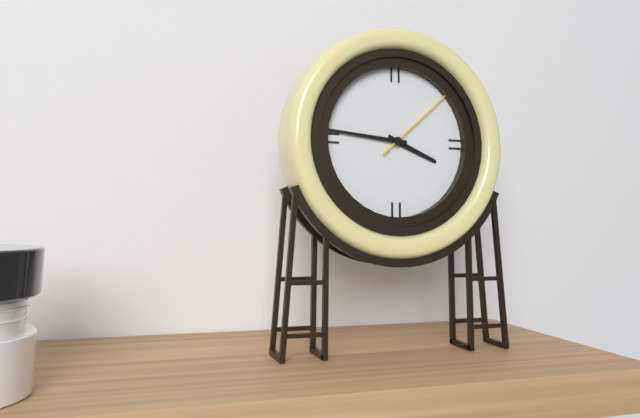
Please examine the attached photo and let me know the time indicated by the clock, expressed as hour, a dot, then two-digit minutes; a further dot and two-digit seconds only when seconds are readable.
3.46.08
